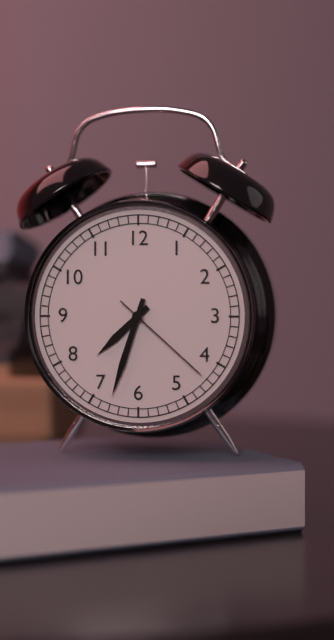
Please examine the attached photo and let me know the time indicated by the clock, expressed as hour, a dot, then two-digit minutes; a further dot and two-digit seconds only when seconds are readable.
7.33.22
